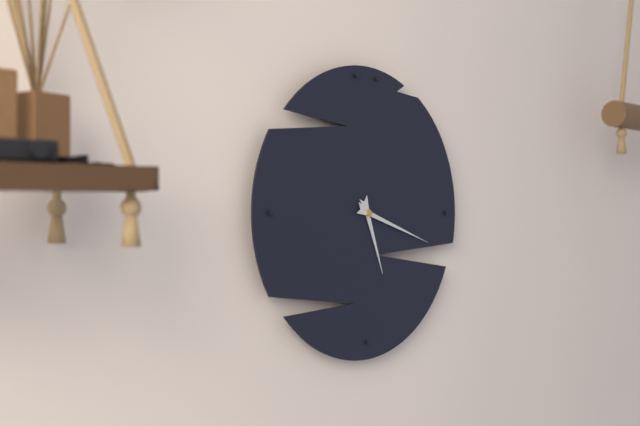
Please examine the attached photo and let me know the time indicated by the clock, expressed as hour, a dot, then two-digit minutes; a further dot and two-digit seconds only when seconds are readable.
5.18
